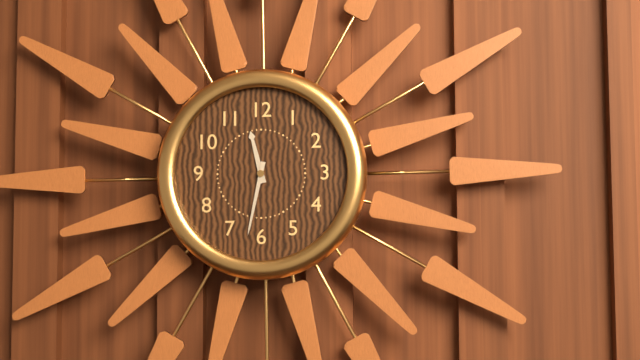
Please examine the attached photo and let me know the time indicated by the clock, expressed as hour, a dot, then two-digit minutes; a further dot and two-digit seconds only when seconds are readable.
11.32
